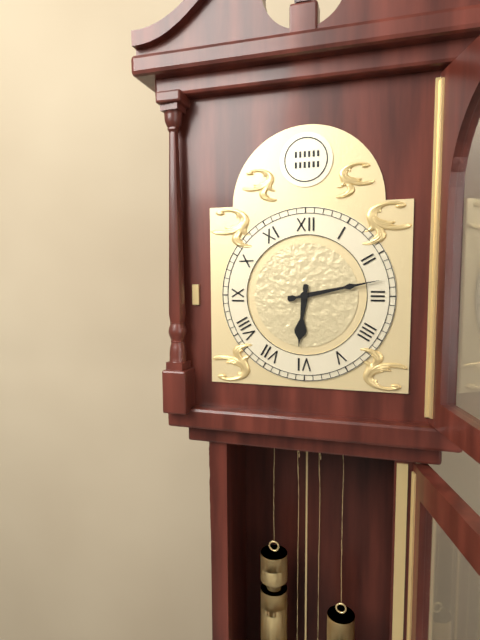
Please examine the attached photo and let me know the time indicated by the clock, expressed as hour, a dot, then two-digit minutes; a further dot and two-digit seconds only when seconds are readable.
6.13
